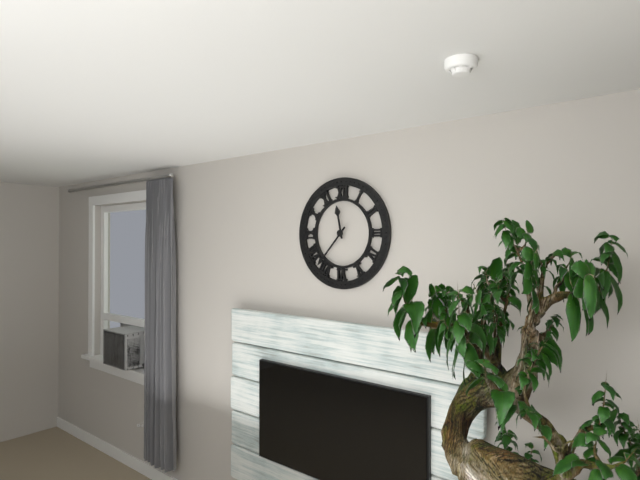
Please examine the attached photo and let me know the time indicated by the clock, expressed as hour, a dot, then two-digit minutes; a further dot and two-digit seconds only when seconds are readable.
11.37
